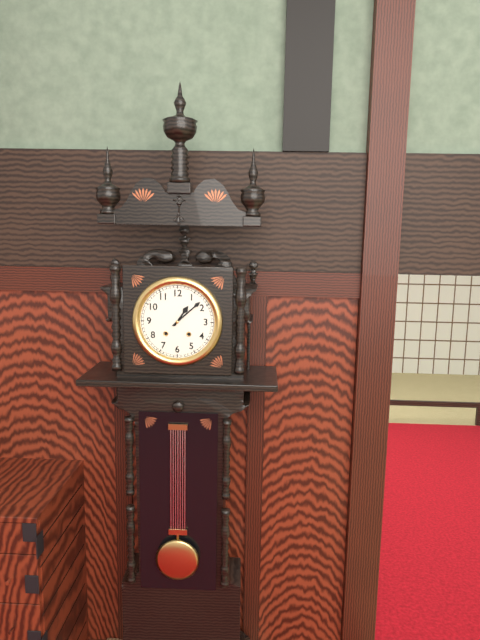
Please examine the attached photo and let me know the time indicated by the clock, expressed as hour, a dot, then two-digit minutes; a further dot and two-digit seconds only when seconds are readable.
1.08
